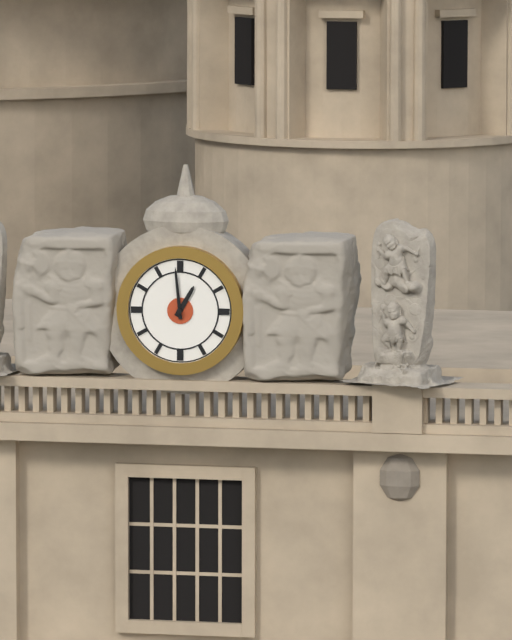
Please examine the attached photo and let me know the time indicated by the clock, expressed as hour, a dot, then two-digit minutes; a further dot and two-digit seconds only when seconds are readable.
12.59
